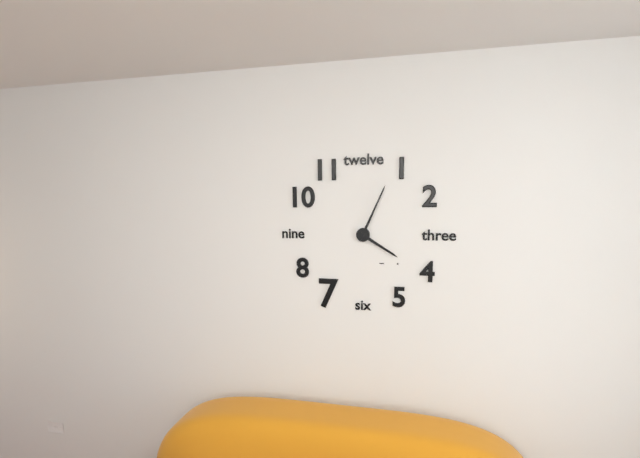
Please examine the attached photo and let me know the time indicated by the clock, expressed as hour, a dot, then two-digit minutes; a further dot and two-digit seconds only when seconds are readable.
4.04
